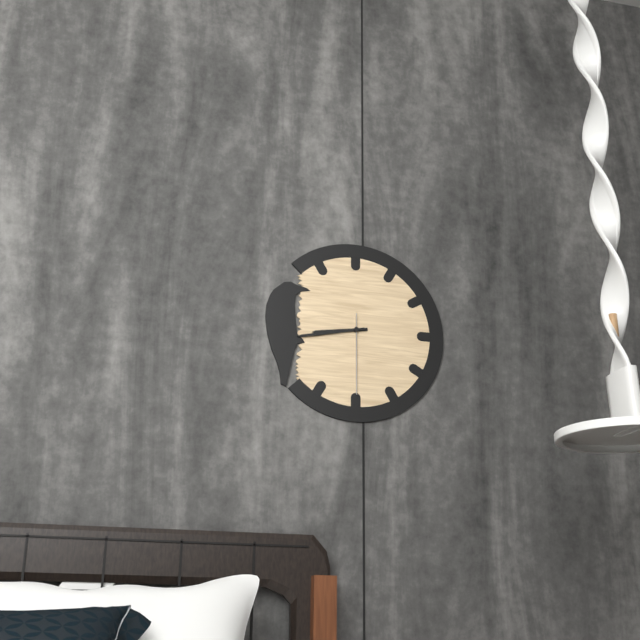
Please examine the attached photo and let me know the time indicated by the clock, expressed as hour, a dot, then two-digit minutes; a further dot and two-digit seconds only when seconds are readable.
8.43.30
